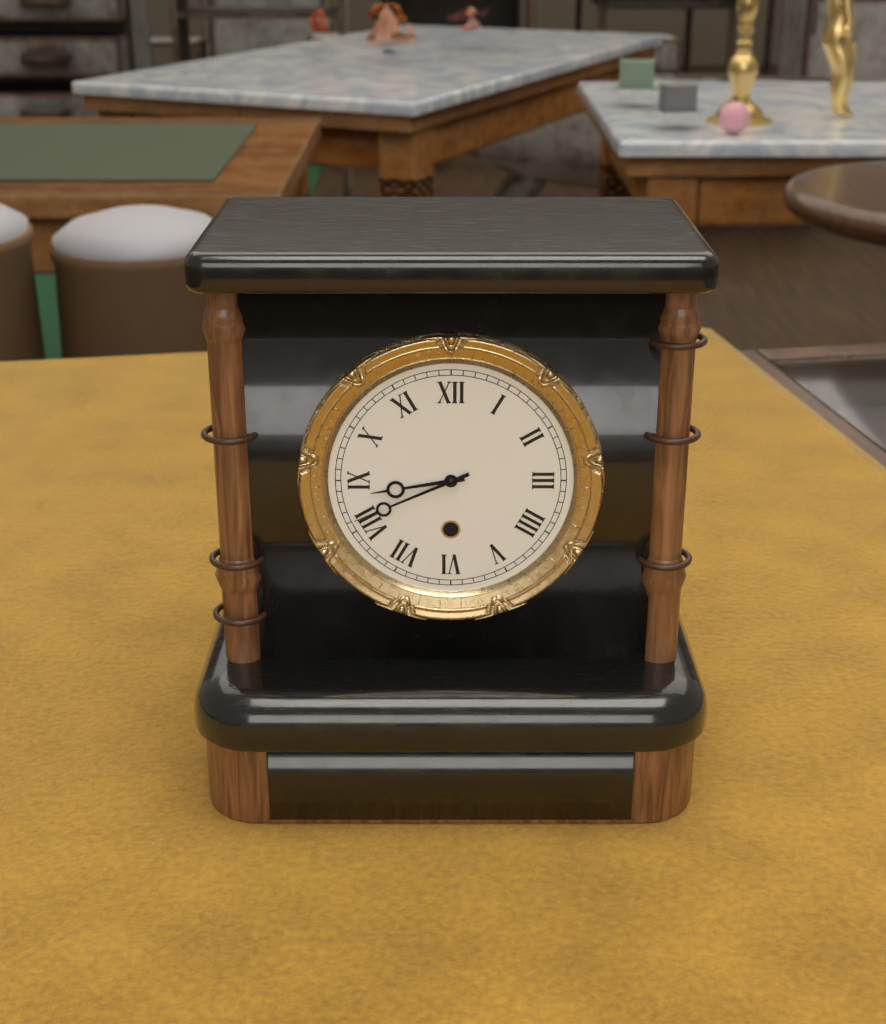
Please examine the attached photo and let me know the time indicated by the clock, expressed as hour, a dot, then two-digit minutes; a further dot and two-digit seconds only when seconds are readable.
8.41
